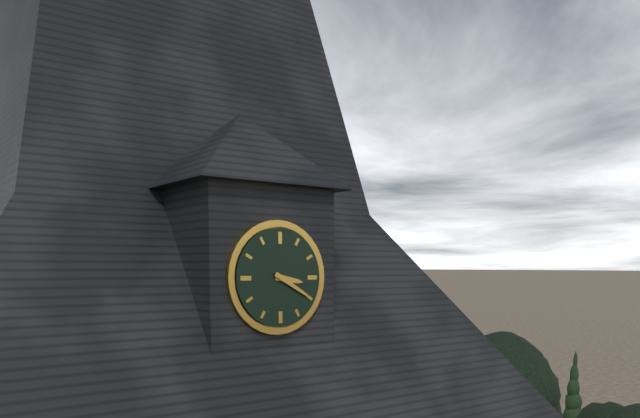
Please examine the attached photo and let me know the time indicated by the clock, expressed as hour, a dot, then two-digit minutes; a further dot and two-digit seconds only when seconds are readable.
3.20
